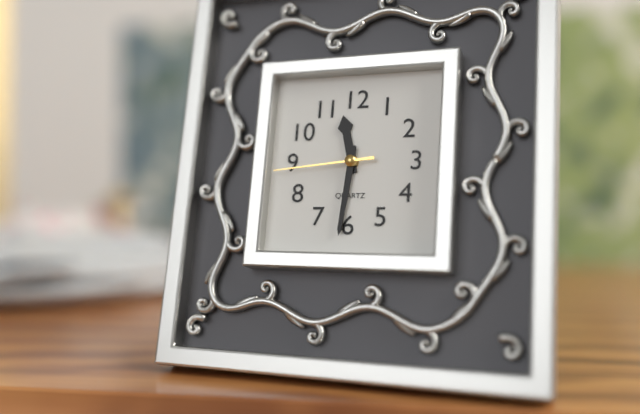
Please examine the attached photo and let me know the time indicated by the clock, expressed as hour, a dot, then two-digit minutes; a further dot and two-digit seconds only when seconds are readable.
11.31.44
